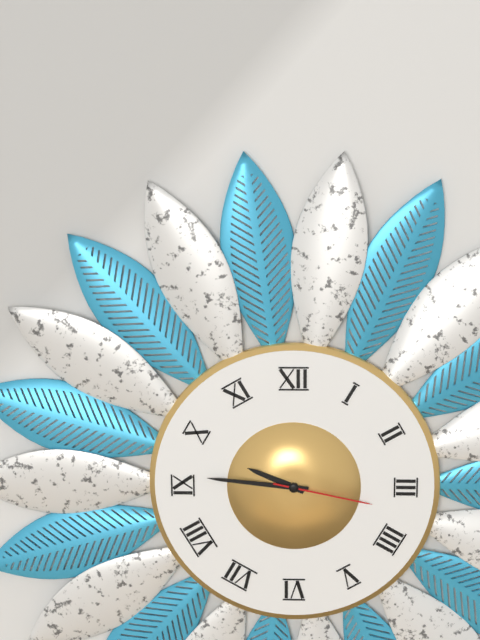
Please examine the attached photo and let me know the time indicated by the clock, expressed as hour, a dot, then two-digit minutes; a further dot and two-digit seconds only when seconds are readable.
9.46.17
